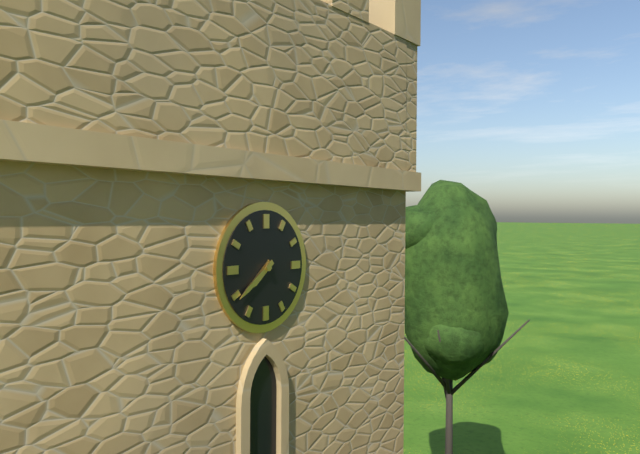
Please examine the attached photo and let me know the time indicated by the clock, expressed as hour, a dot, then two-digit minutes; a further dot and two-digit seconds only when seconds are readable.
7.39
